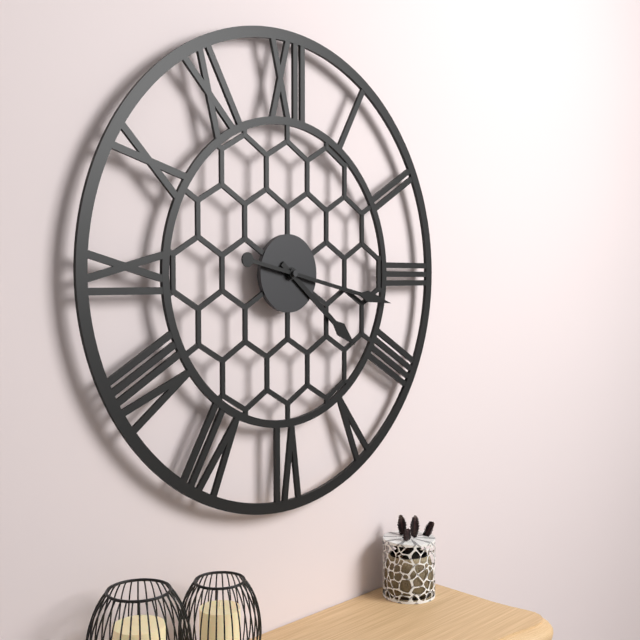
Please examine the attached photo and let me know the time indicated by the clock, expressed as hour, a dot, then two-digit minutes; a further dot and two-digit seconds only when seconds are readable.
4.17
